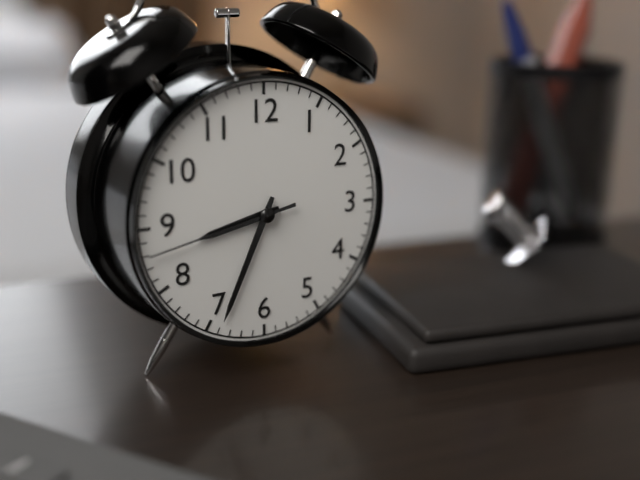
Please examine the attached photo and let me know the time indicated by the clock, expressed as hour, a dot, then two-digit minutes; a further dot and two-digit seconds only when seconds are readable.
8.34.43
